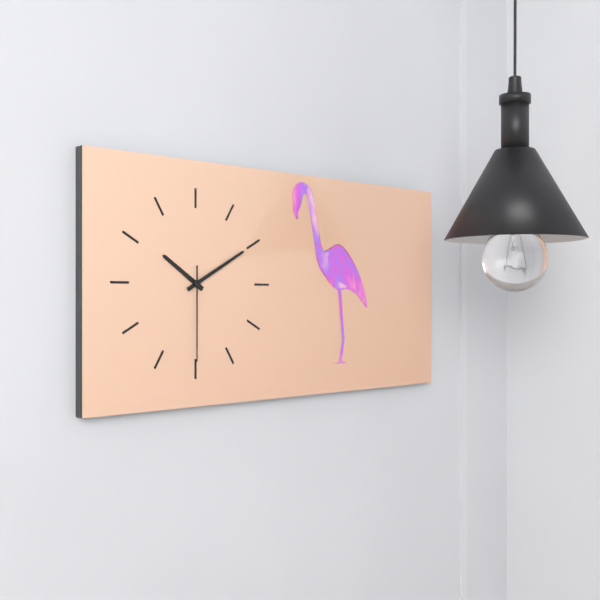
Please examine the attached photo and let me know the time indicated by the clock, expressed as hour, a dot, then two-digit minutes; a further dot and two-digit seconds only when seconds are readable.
10.10.30
